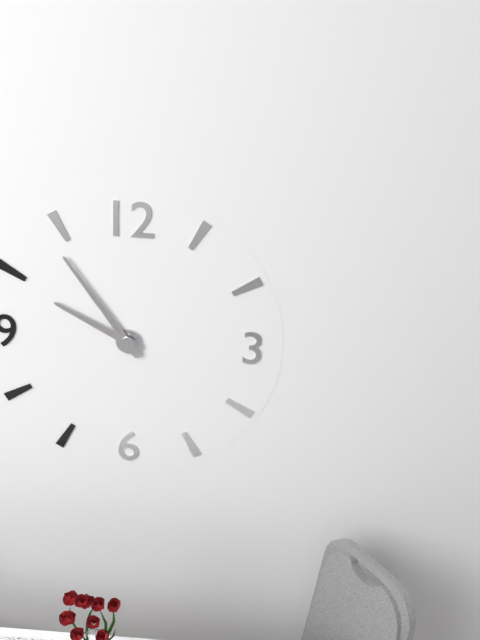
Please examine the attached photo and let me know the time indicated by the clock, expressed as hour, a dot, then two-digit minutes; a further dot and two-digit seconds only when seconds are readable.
9.54
